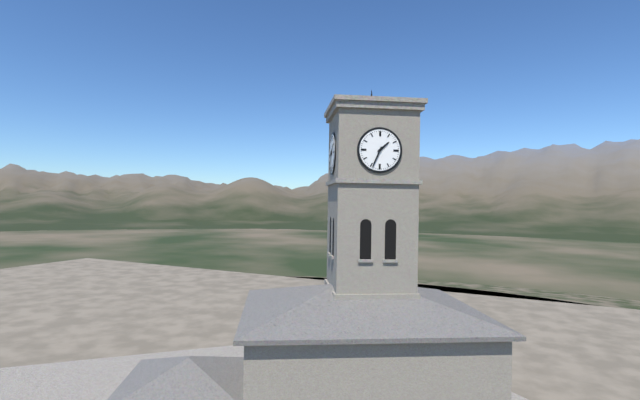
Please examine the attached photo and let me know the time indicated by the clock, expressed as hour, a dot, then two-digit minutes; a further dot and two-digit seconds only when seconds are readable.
1.34
